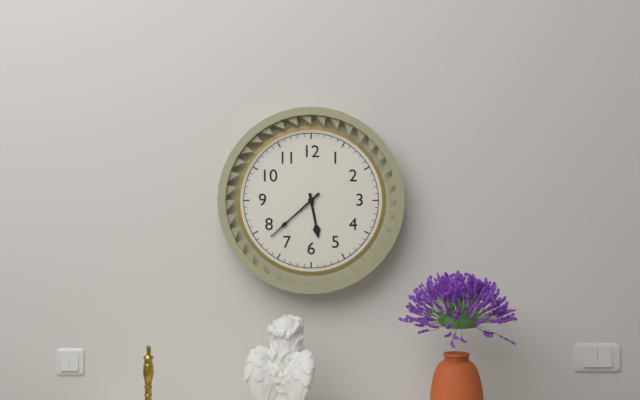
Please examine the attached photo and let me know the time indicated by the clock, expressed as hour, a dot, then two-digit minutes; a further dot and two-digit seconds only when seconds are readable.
5.38
